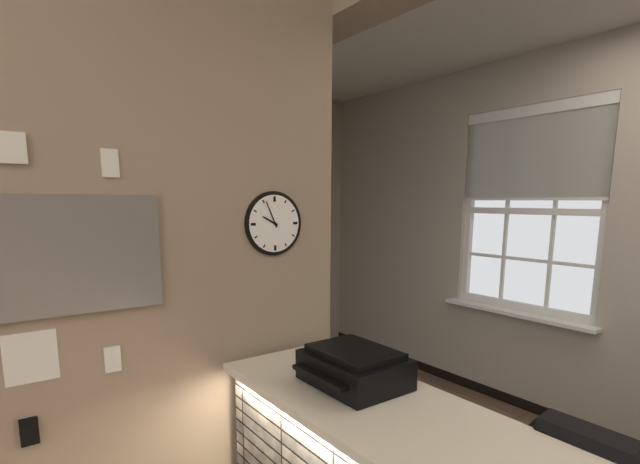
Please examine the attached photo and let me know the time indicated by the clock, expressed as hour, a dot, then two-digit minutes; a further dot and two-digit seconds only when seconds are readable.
9.56
